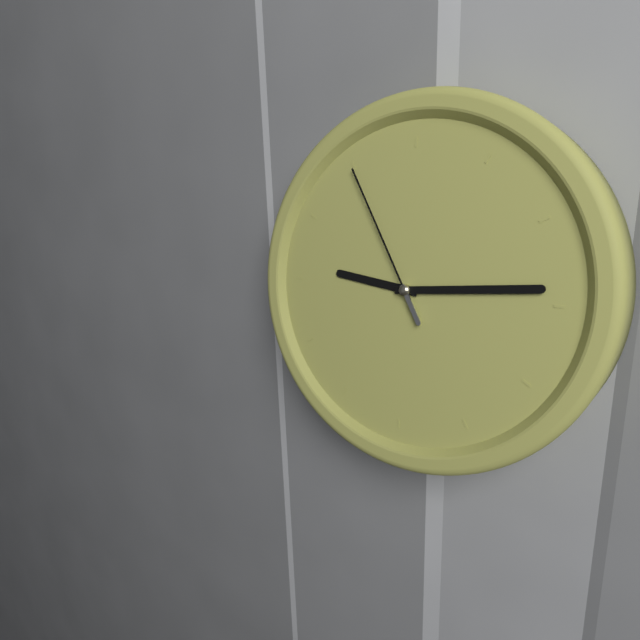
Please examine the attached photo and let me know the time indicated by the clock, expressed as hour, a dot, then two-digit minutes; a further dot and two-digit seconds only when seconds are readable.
9.14.55
